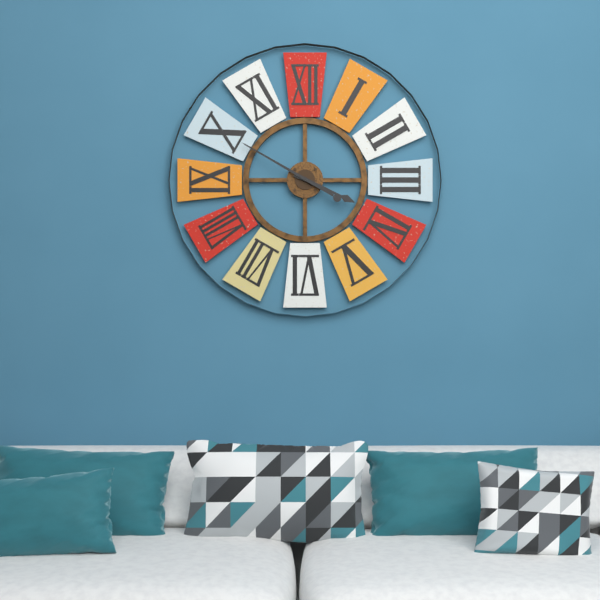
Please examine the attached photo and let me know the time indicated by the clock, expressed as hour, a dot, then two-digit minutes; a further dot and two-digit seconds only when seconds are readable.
3.50
